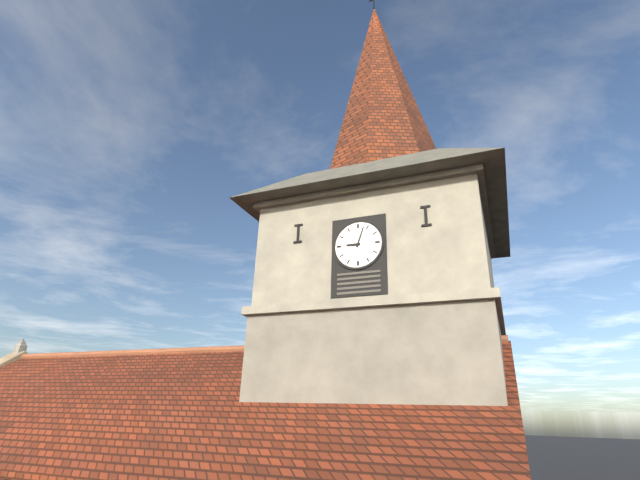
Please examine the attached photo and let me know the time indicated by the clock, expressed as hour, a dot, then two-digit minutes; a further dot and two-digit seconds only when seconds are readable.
9.03
